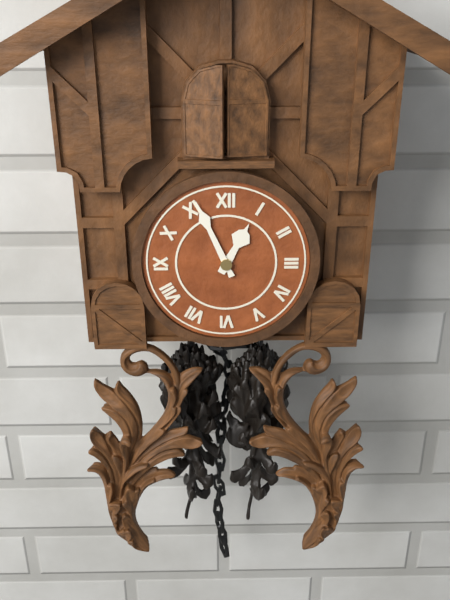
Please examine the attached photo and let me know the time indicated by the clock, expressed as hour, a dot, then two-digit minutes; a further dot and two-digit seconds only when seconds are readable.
12.56
